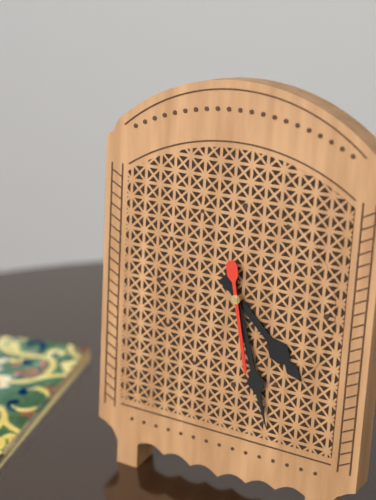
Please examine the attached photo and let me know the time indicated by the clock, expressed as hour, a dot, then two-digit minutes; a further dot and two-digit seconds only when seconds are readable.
4.27.28
